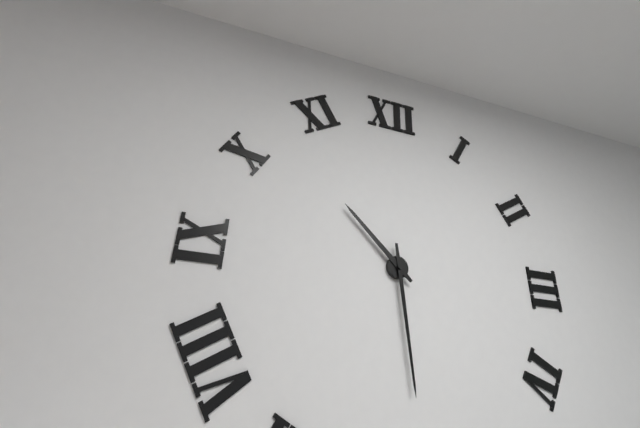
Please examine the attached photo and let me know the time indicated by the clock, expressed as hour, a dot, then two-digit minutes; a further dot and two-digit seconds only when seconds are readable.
10.29
